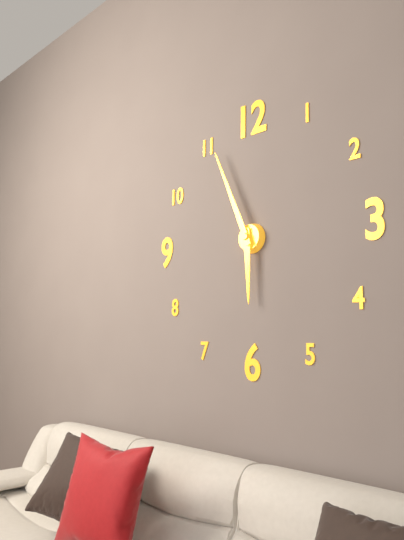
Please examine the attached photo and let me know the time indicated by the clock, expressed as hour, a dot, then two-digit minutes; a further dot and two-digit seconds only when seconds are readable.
5.56
